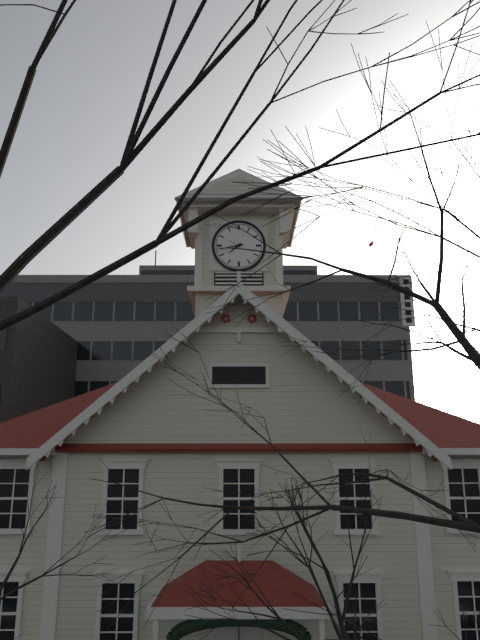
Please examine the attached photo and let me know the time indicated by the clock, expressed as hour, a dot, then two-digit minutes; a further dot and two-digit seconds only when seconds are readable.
7.43
